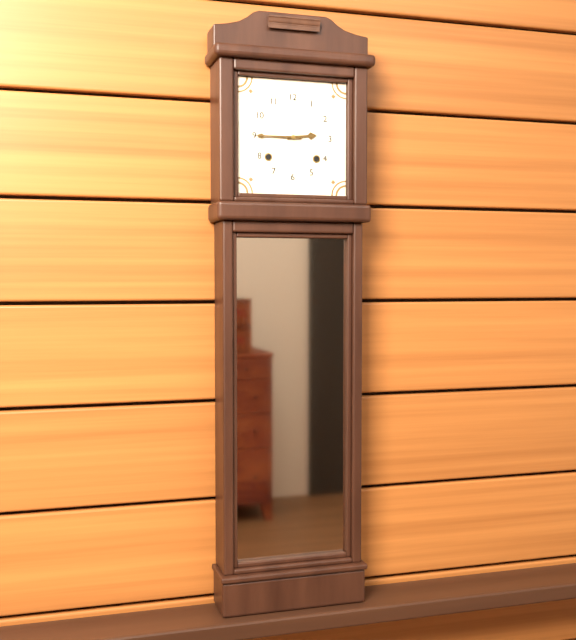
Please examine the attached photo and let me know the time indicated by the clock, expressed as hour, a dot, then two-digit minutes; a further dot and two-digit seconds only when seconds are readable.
2.45
